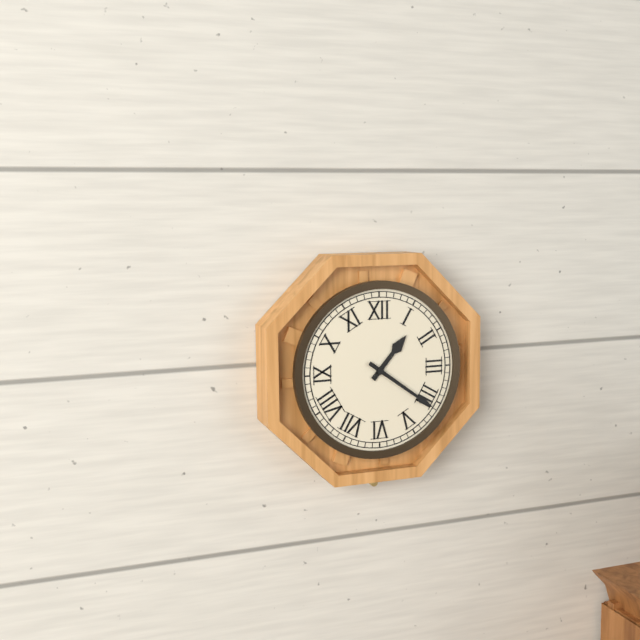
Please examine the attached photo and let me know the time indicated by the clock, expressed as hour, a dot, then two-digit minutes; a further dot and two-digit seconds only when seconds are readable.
1.21
